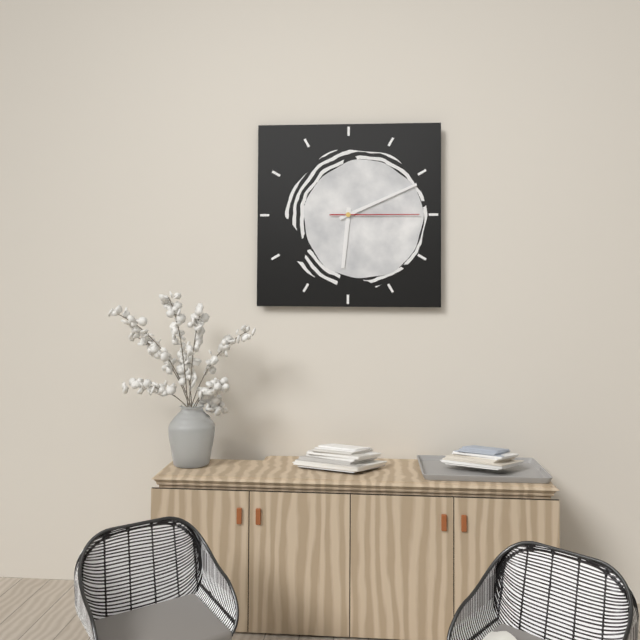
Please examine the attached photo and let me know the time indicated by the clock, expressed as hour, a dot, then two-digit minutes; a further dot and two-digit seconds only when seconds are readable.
6.11.15
